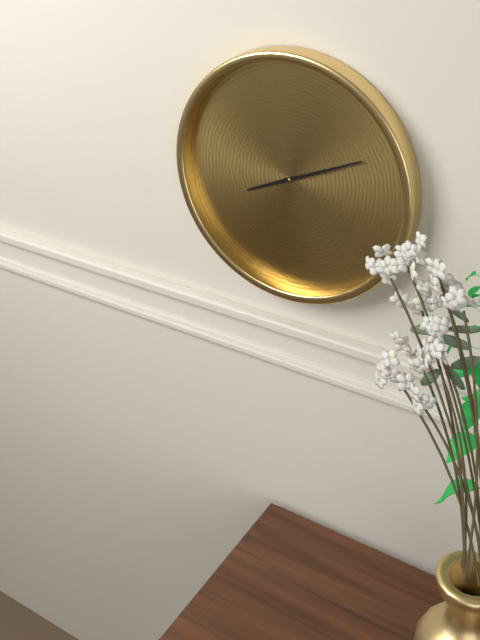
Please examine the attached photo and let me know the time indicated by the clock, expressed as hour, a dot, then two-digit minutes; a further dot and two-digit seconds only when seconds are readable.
8.11
